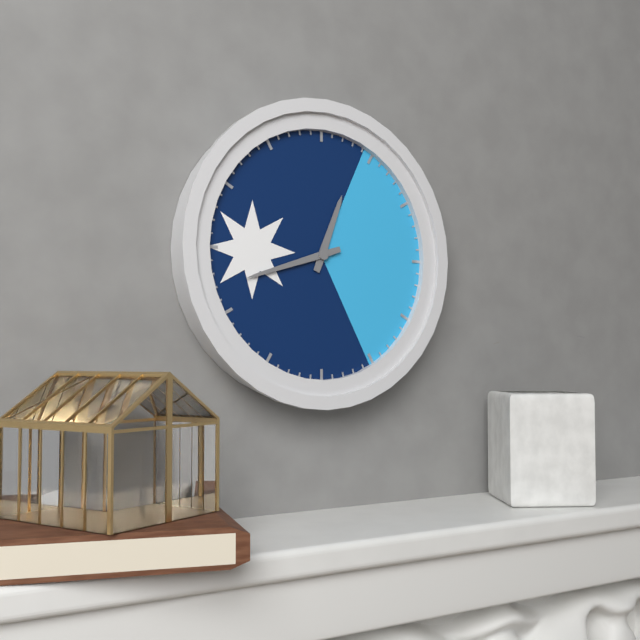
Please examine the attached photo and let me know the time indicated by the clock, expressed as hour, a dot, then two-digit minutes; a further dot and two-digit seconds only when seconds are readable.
12.42
